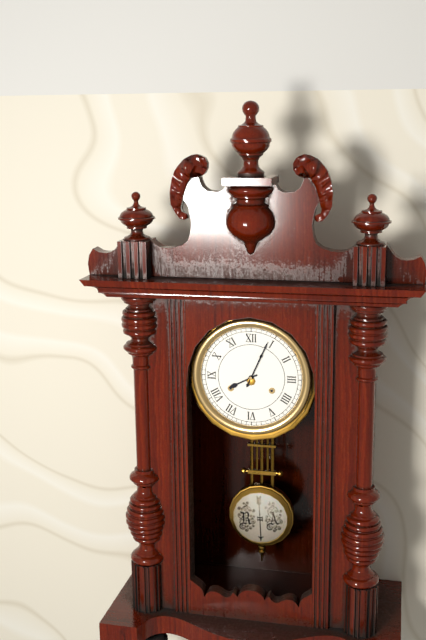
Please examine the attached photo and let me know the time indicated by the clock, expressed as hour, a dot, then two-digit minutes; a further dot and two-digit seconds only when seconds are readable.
8.04
